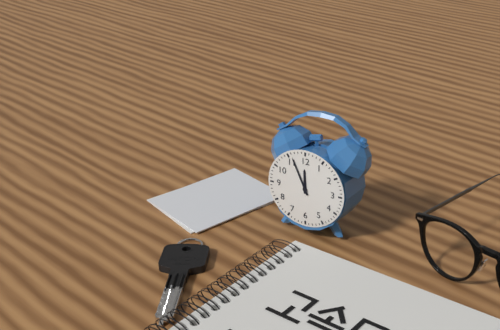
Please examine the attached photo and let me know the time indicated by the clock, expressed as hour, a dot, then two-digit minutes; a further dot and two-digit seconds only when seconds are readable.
11.56
